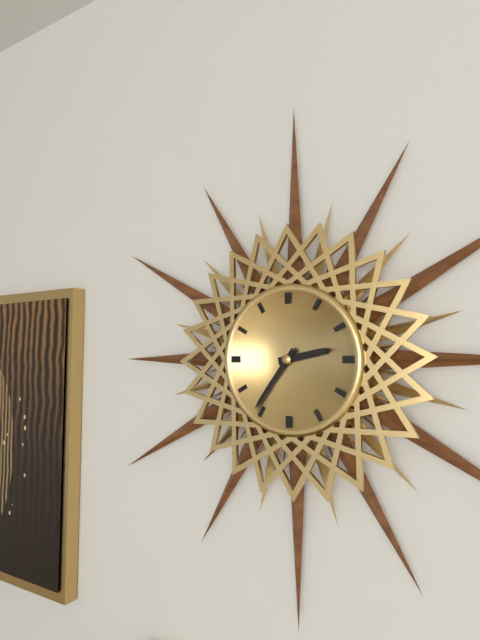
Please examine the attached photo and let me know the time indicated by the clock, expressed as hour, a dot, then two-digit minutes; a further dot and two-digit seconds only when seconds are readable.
2.36
